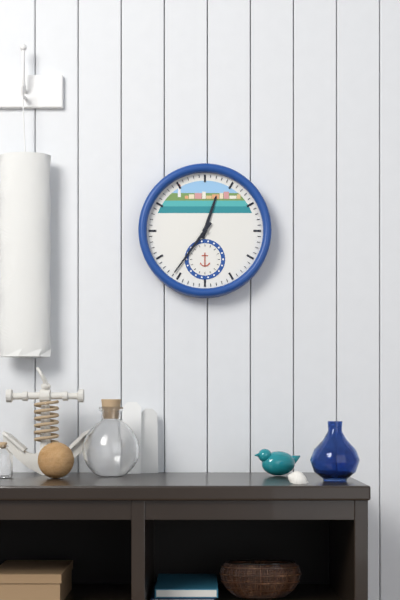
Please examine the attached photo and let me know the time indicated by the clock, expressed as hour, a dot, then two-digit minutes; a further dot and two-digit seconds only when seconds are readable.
12.36
